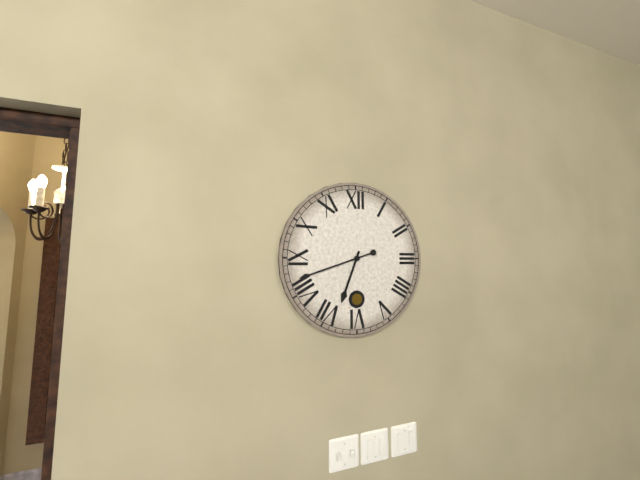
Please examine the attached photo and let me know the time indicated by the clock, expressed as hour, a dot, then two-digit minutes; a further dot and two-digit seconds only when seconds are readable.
6.42
